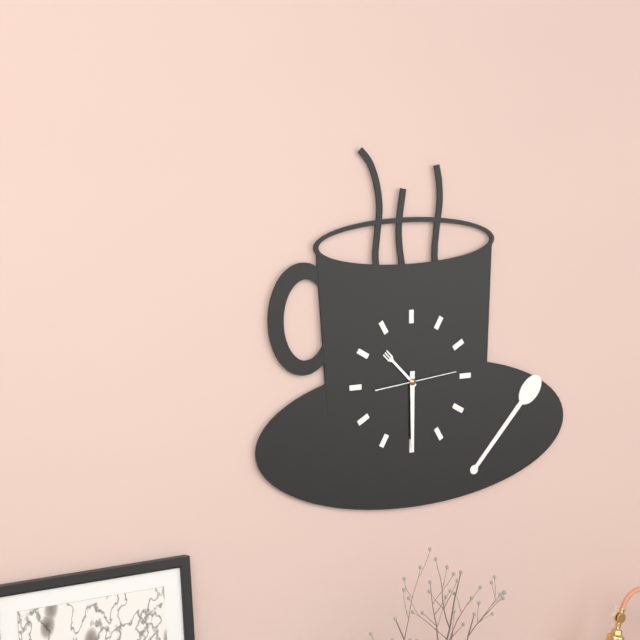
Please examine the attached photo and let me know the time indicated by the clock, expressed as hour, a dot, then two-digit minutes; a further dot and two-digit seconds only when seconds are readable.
10.30.14
